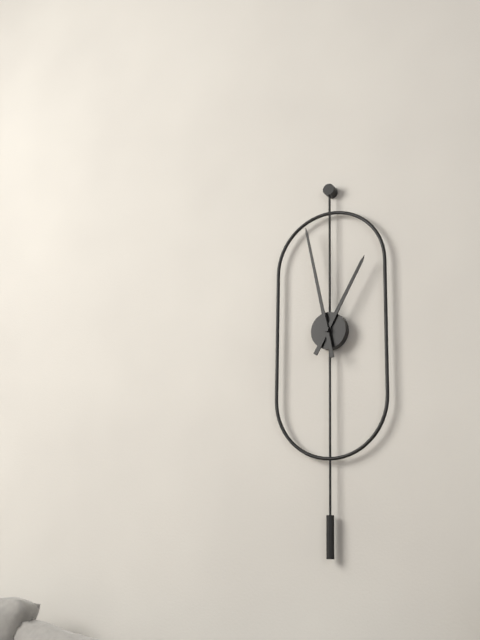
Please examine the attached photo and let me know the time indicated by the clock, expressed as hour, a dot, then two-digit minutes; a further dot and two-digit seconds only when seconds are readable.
12.58
